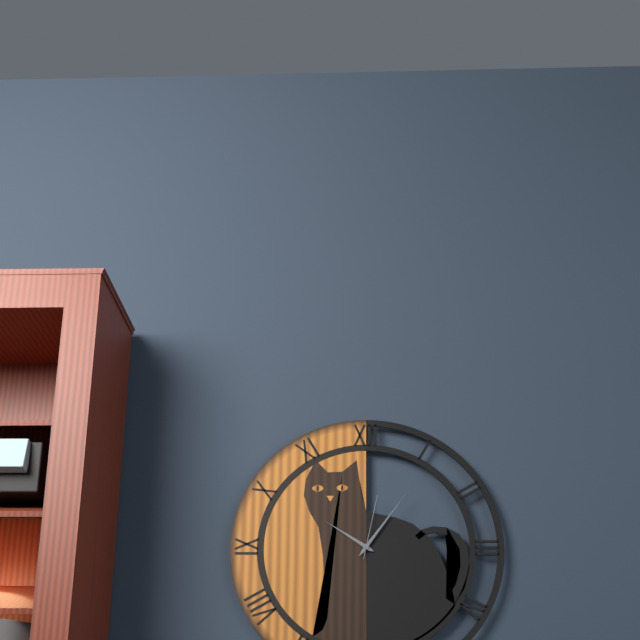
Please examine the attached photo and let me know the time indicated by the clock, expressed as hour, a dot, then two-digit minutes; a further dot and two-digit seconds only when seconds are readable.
10.06.02
